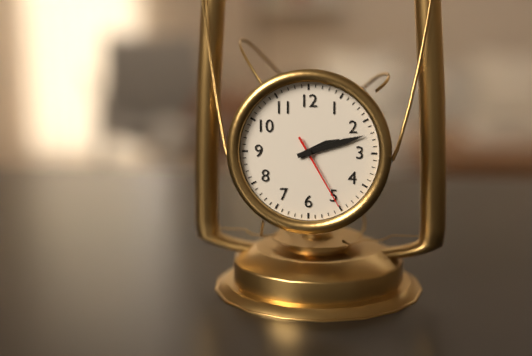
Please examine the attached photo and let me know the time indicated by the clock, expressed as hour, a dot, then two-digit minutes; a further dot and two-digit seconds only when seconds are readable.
2.12.25
